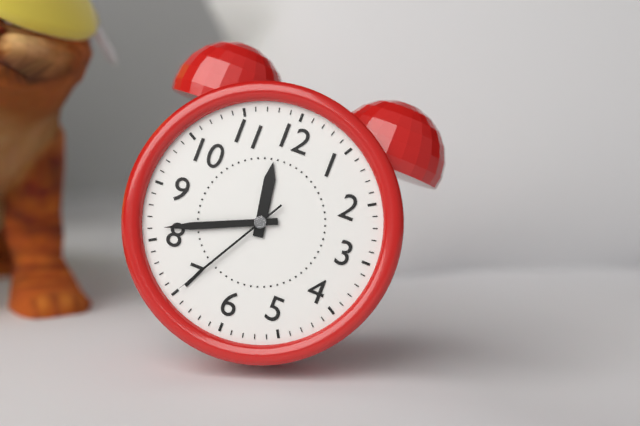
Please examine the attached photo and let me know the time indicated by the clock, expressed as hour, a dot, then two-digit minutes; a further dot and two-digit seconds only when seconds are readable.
11.41.35
